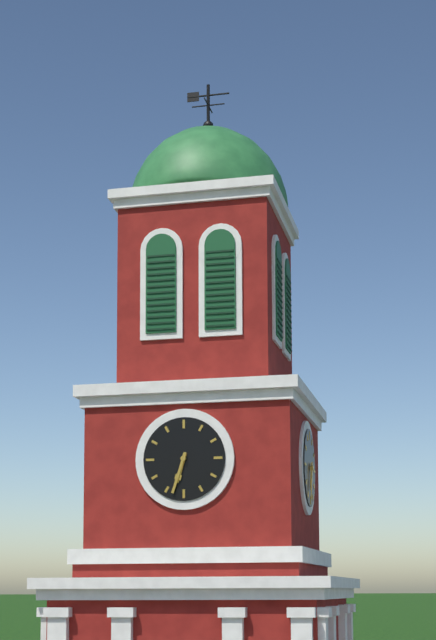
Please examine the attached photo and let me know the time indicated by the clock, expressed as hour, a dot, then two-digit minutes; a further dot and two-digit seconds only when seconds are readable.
6.33
